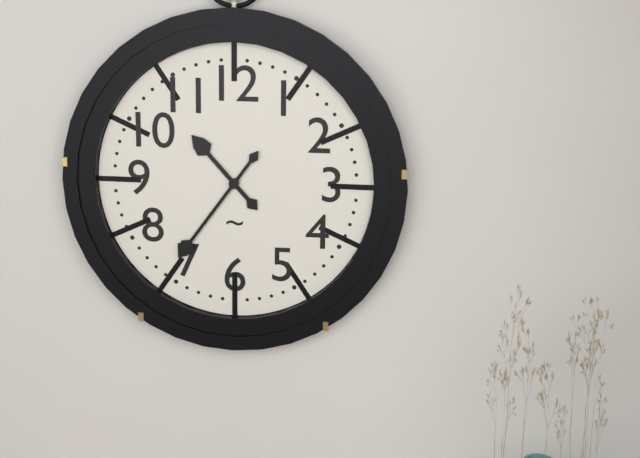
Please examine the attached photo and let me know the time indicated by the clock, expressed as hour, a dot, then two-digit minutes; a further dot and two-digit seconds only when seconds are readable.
10.36
